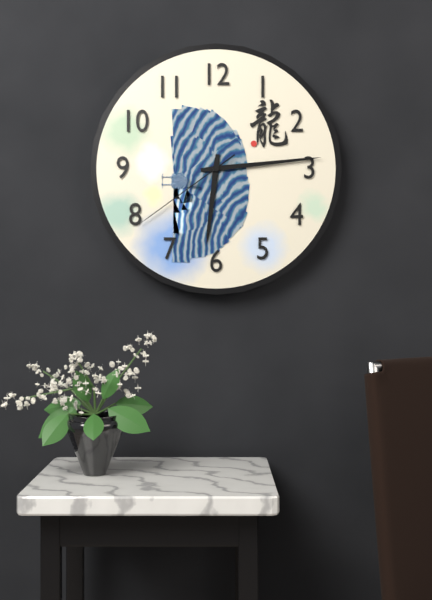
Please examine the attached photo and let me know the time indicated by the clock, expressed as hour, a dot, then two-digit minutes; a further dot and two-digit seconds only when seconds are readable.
6.14.39
